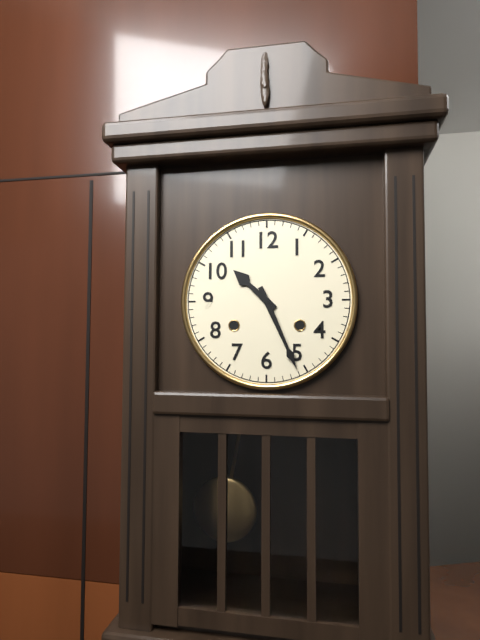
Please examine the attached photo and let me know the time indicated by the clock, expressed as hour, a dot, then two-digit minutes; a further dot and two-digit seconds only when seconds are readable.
10.26
